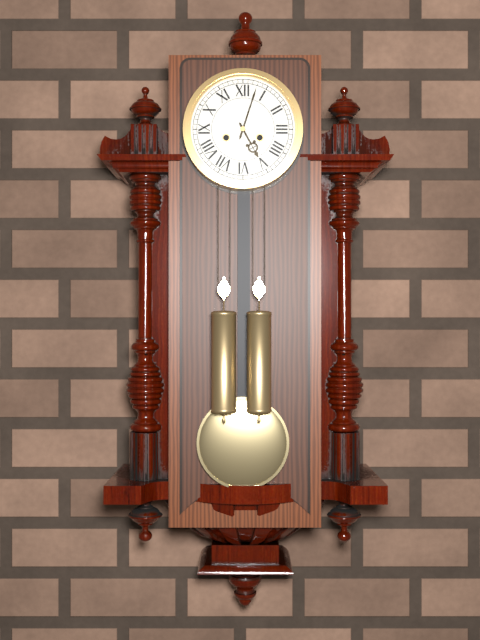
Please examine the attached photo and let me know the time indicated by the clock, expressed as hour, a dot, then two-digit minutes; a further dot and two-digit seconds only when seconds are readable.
5.03
